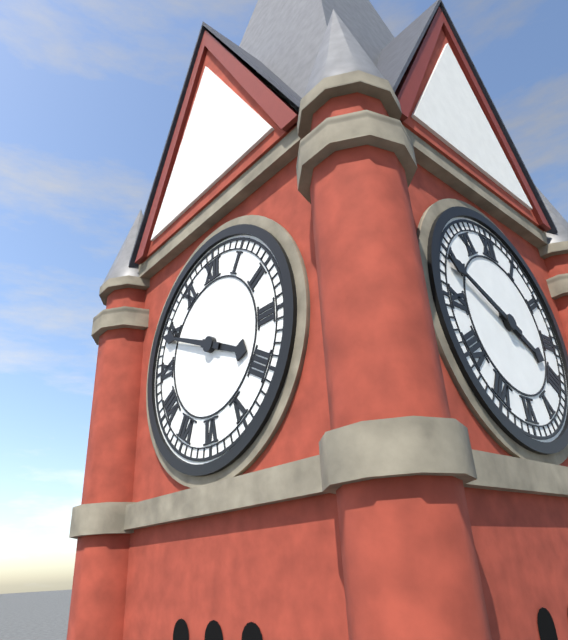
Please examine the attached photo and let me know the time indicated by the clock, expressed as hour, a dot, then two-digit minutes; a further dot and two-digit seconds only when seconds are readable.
3.49
